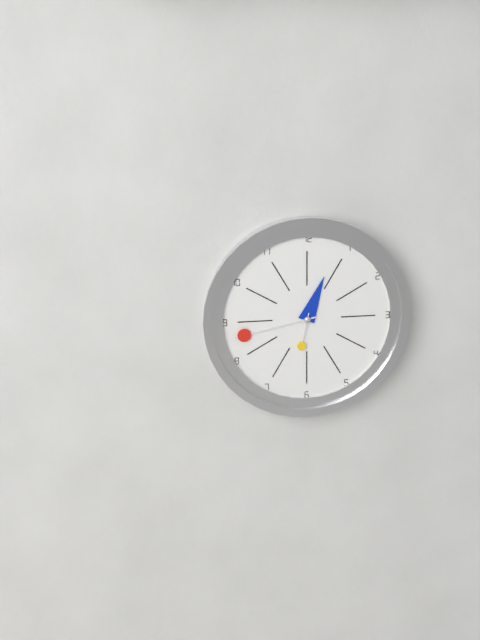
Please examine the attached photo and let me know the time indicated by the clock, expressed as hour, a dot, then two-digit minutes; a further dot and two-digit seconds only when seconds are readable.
12.43.32
